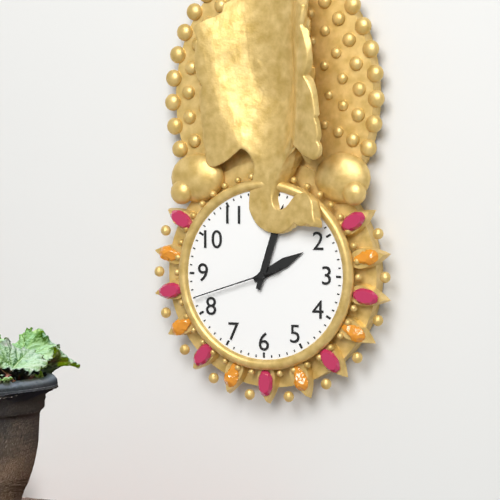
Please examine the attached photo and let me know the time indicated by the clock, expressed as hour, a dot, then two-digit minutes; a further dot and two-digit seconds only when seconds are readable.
2.03.42
